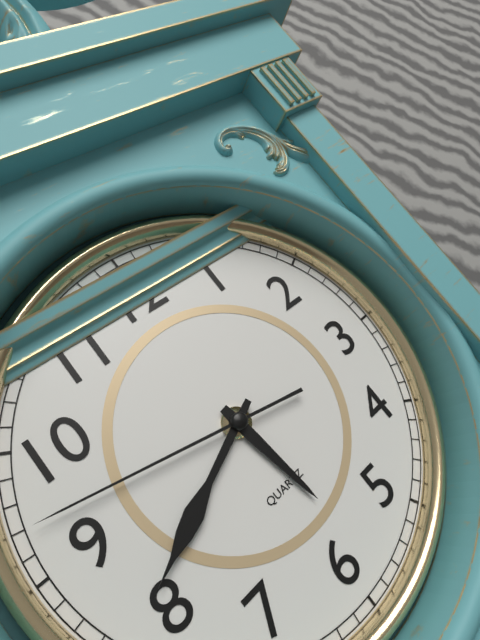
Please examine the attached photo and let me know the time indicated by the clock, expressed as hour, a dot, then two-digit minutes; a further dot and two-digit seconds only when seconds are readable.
5.41.47
